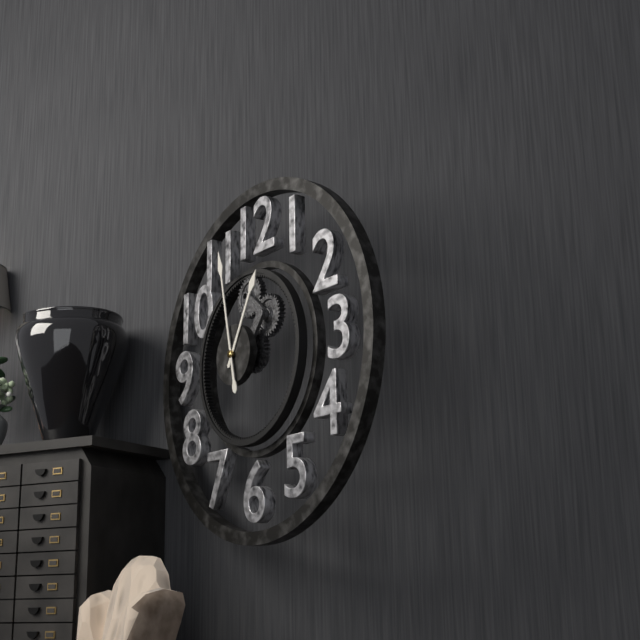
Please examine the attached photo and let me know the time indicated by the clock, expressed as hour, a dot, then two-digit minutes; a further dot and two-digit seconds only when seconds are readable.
12.58
